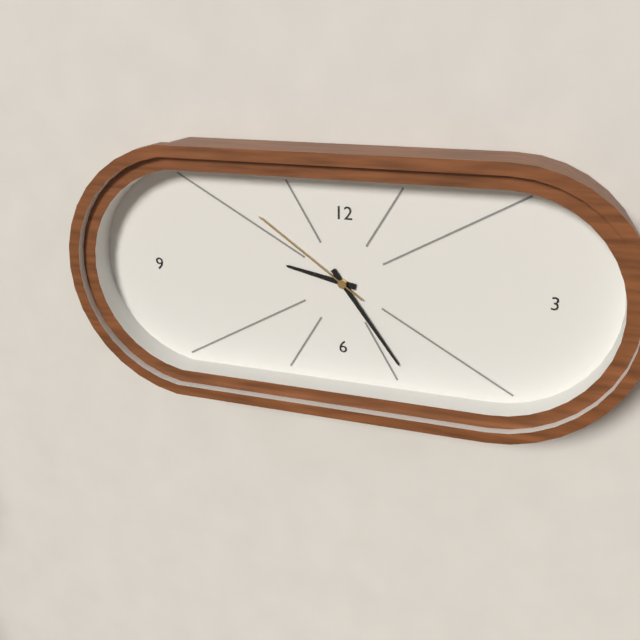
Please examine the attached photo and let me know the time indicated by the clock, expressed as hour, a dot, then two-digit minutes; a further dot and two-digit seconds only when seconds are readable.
9.24.51
